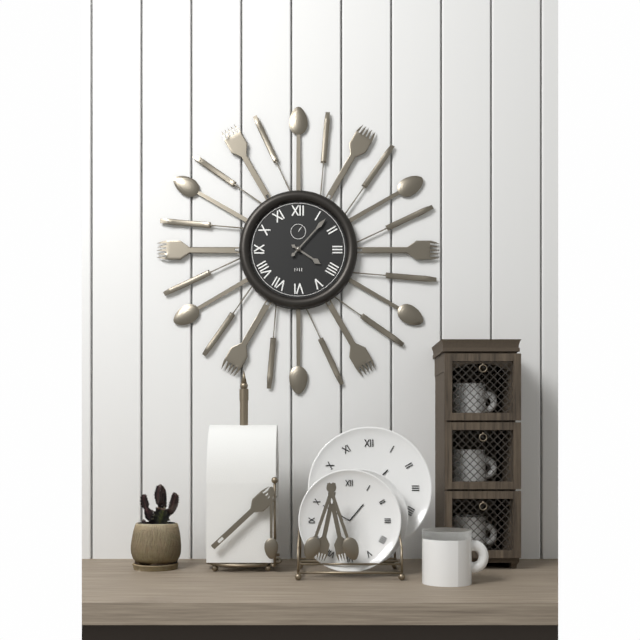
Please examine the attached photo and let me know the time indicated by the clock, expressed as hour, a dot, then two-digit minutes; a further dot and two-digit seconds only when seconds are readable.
4.07
